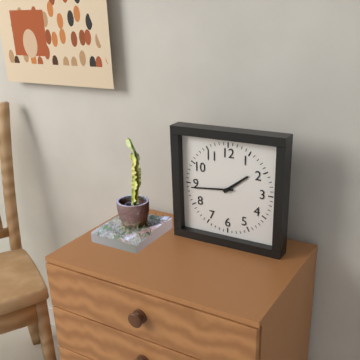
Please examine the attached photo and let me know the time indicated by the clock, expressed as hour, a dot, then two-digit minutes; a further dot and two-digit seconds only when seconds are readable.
1.44
